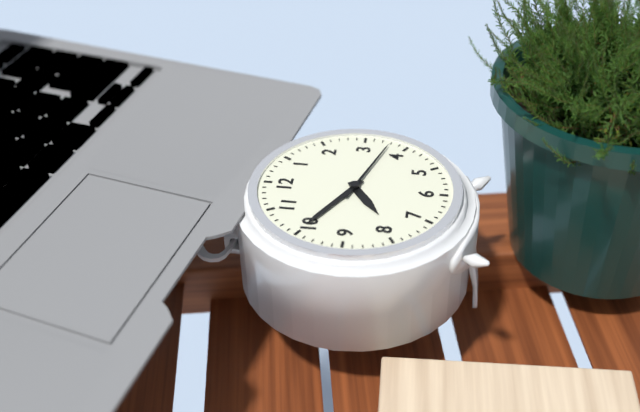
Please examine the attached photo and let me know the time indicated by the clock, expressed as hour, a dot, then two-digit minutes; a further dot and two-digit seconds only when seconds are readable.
7.50.18
